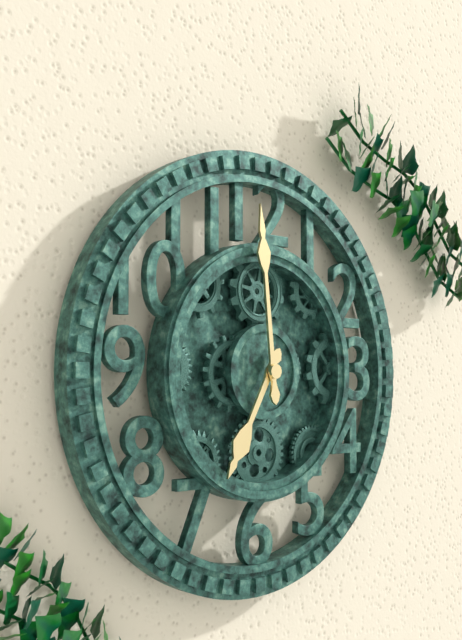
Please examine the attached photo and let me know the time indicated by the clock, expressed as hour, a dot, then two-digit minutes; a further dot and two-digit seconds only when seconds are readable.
6.59
